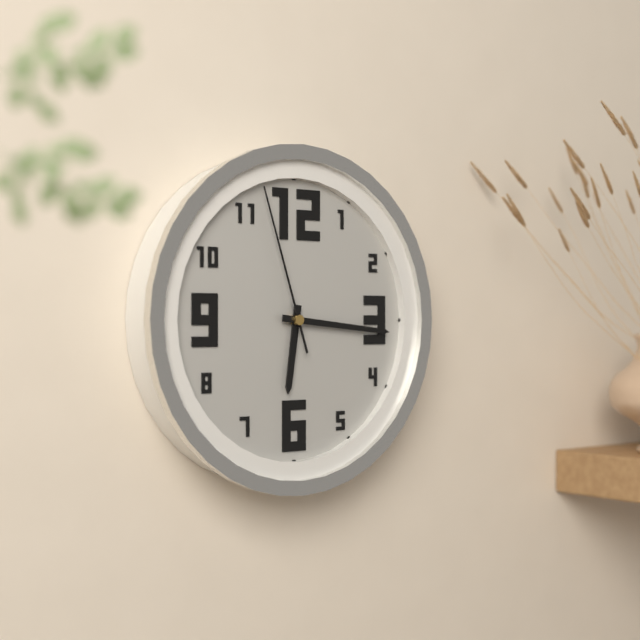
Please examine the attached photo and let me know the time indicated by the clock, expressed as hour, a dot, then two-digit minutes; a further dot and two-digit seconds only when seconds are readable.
6.16.57
